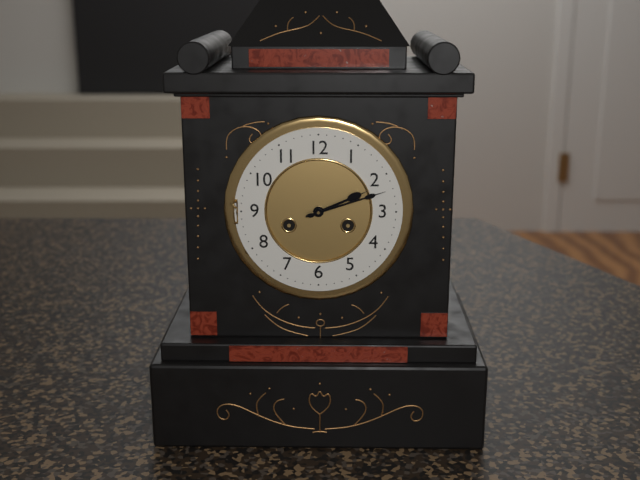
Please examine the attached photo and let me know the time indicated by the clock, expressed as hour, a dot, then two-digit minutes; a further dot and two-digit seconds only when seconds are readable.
2.12
